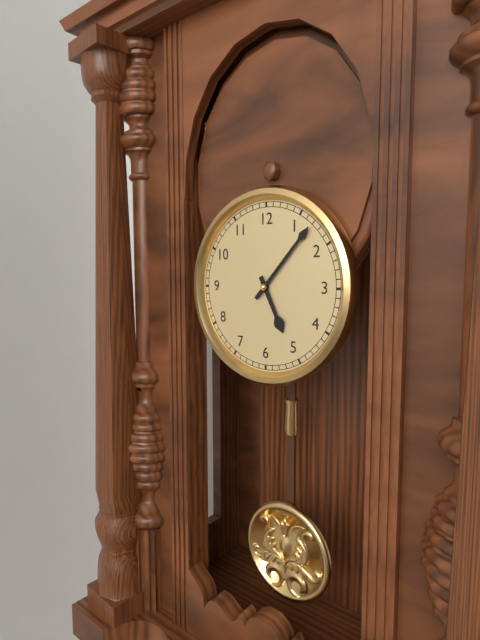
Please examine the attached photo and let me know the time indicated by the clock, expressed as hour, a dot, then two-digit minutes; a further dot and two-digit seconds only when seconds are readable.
5.07
